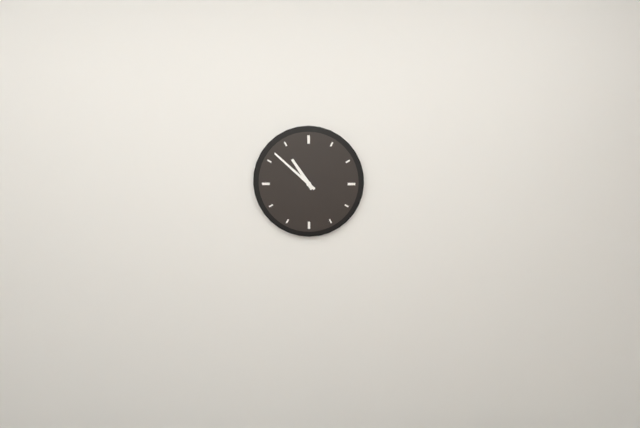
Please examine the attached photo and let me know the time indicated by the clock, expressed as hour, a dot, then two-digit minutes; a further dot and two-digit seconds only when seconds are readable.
10.52
